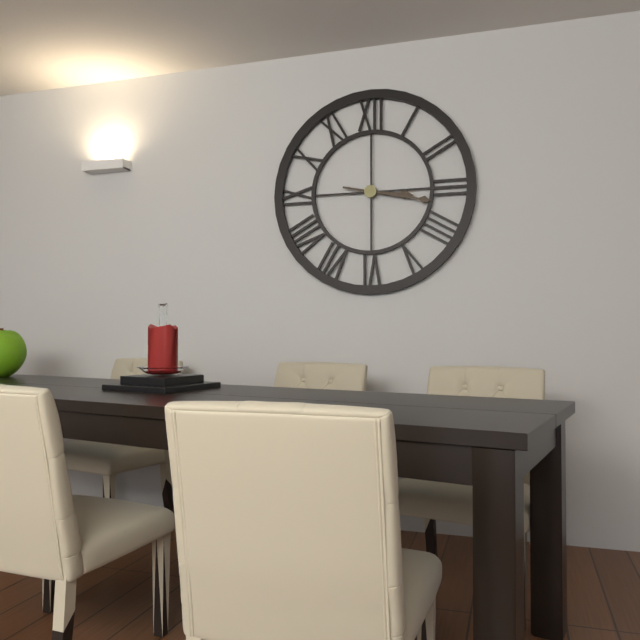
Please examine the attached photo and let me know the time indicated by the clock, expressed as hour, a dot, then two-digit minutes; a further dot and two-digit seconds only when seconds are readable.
3.17
